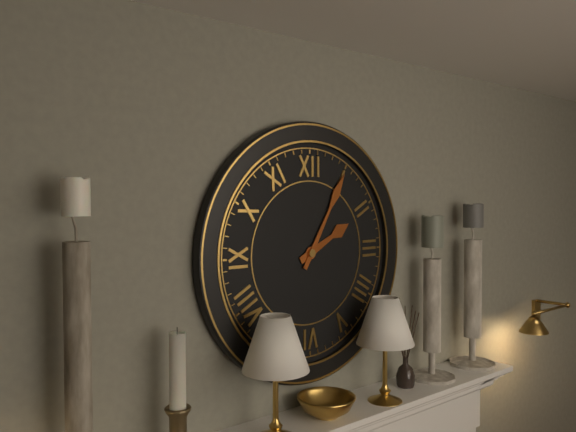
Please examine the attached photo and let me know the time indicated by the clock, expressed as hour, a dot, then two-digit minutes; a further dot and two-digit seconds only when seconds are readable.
2.05
